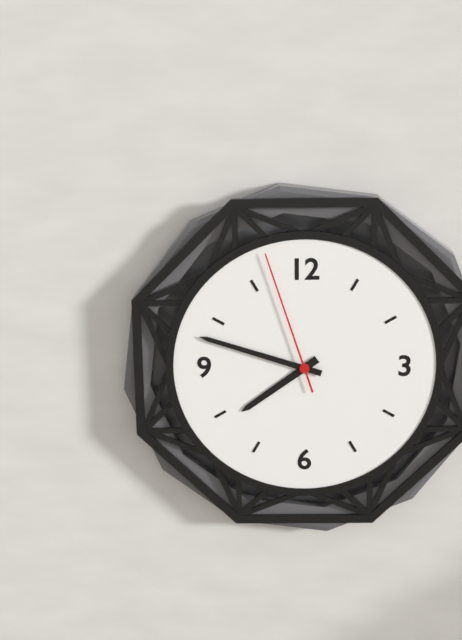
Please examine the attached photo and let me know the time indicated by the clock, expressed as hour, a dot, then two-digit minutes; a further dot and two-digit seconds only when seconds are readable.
7.48.57
